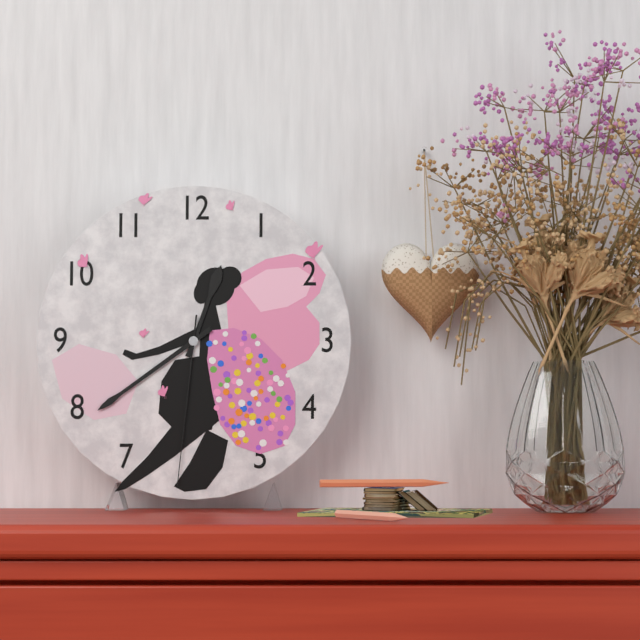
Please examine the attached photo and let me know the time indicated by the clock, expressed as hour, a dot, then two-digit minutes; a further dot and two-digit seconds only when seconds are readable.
12.39.31
